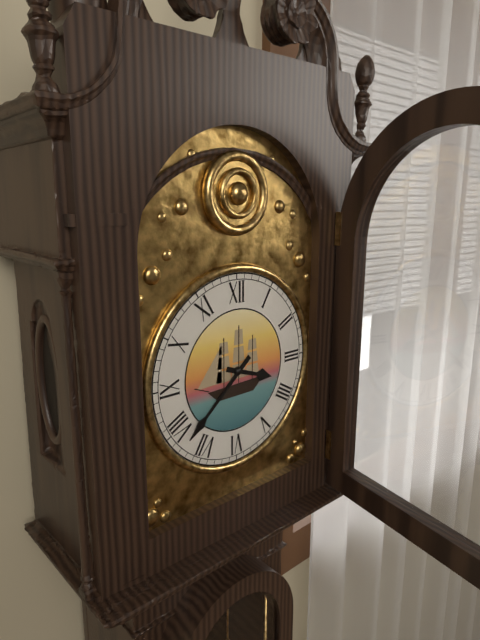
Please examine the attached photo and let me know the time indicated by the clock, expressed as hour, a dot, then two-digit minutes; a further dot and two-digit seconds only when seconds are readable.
3.38
